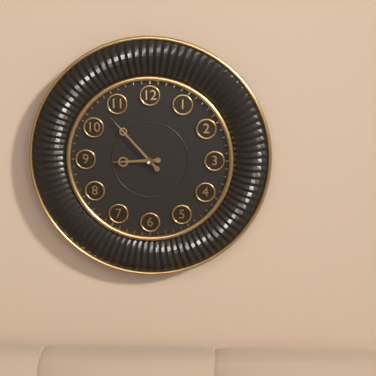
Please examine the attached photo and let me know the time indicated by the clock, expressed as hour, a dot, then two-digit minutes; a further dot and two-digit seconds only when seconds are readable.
8.53
